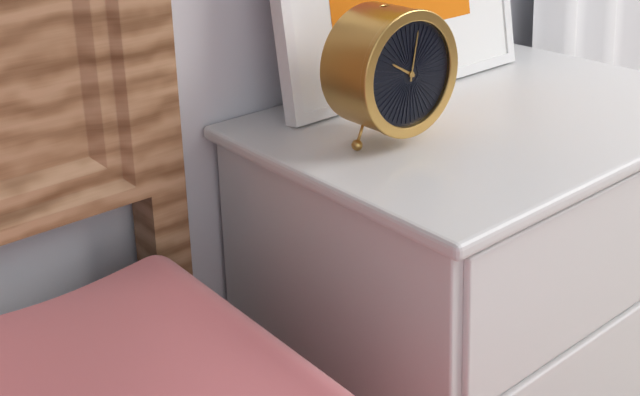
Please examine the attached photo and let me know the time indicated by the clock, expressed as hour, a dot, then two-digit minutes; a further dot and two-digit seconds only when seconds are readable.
10.02
